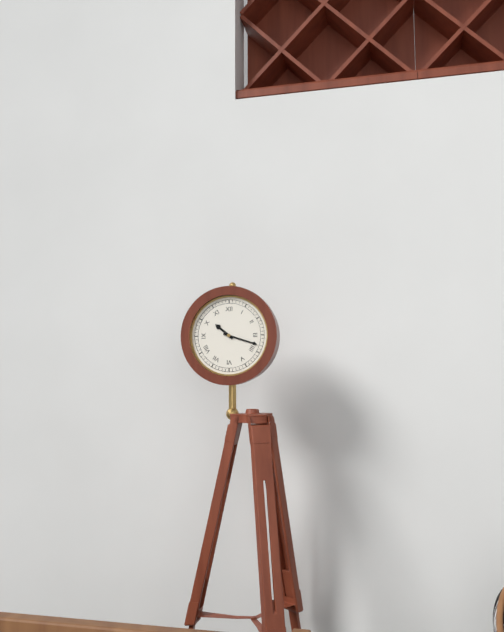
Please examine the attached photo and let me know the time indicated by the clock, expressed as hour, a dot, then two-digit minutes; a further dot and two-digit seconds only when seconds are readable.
10.18
